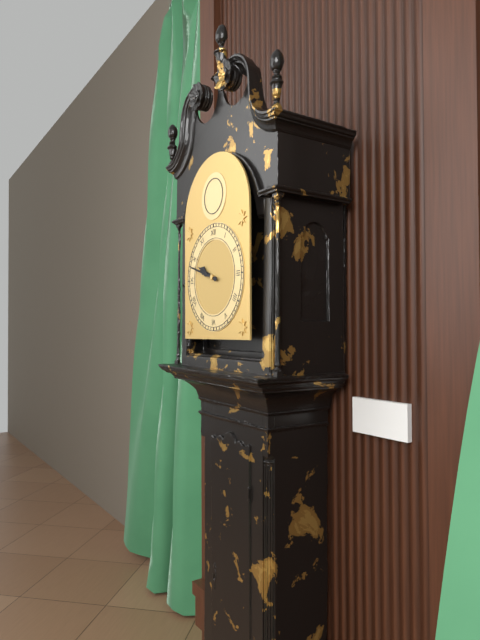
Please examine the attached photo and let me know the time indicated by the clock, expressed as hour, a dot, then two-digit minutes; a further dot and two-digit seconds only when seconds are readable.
9.48
